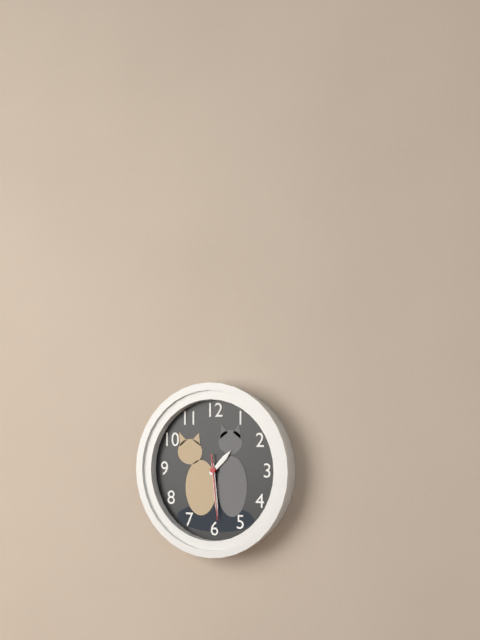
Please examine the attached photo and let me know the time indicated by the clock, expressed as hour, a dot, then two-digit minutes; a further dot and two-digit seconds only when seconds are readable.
1.29.29
